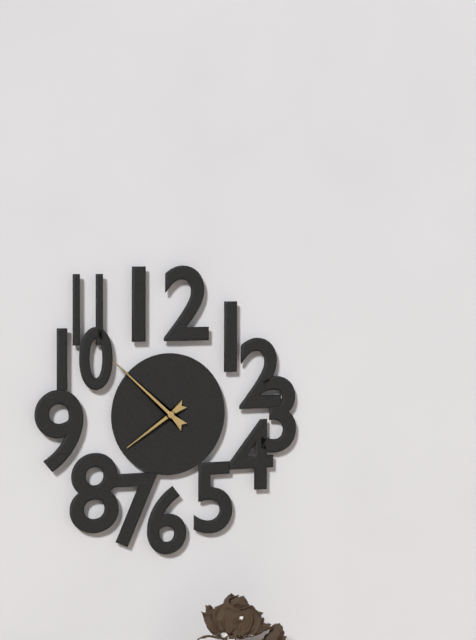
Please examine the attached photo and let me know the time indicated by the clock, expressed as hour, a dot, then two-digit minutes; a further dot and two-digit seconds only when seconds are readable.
7.52
